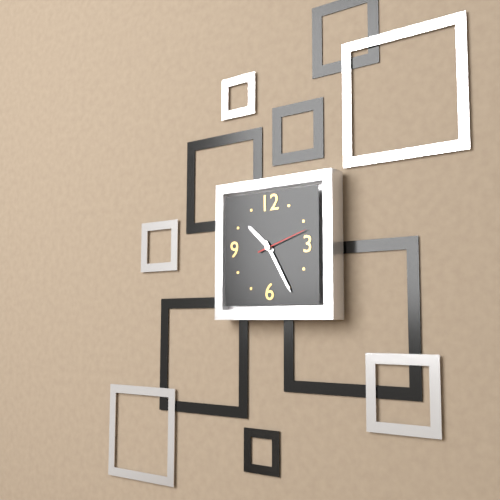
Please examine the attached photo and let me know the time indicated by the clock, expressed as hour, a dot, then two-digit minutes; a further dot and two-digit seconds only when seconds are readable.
10.25.12
